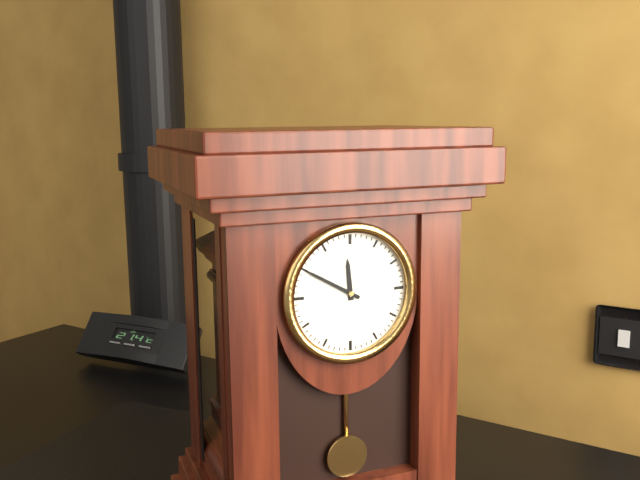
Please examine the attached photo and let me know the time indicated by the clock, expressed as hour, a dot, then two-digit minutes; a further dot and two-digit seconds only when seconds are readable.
11.50
